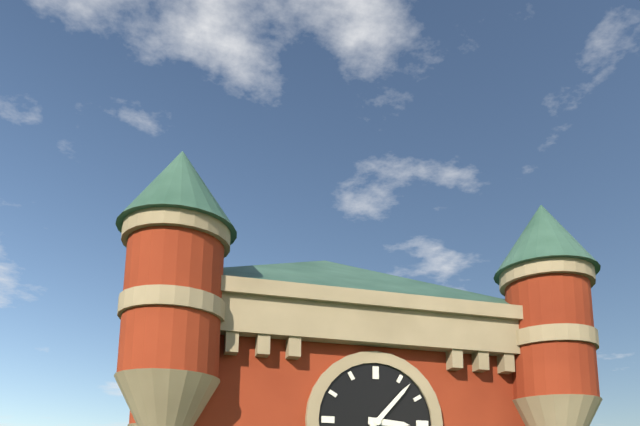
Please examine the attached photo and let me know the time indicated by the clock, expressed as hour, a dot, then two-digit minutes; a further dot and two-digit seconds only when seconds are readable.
3.07
